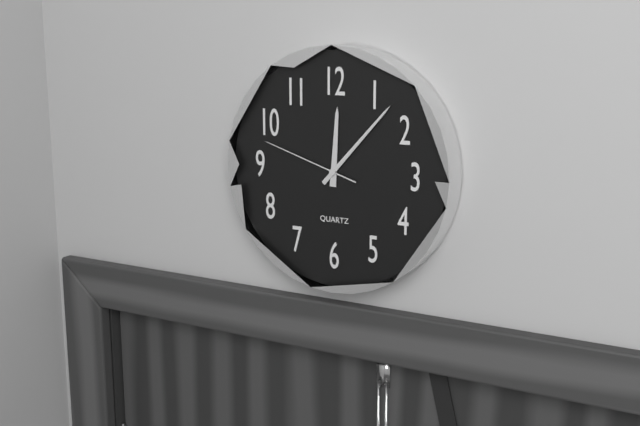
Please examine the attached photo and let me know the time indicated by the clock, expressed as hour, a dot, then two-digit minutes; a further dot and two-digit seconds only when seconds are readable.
12.07.48
